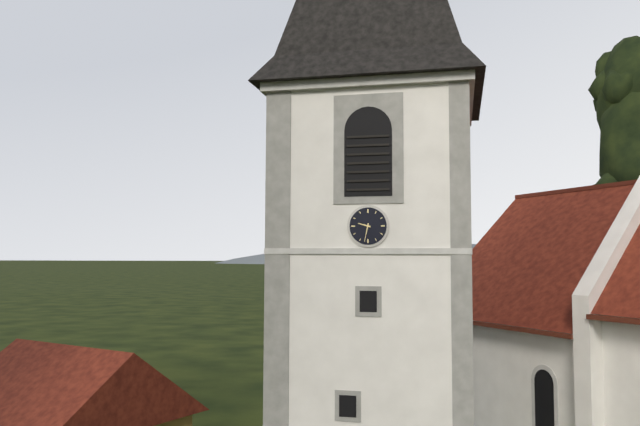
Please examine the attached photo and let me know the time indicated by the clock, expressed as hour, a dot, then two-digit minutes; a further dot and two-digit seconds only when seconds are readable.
9.32
